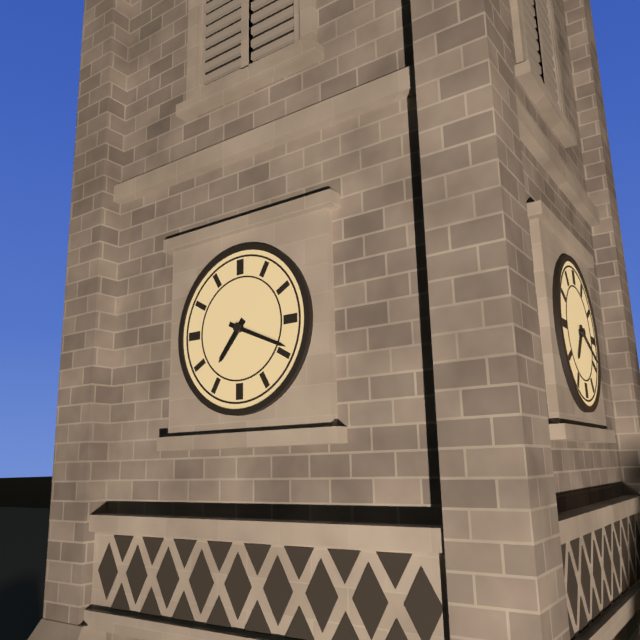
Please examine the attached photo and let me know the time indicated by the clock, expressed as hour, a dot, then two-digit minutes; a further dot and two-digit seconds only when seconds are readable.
7.19
